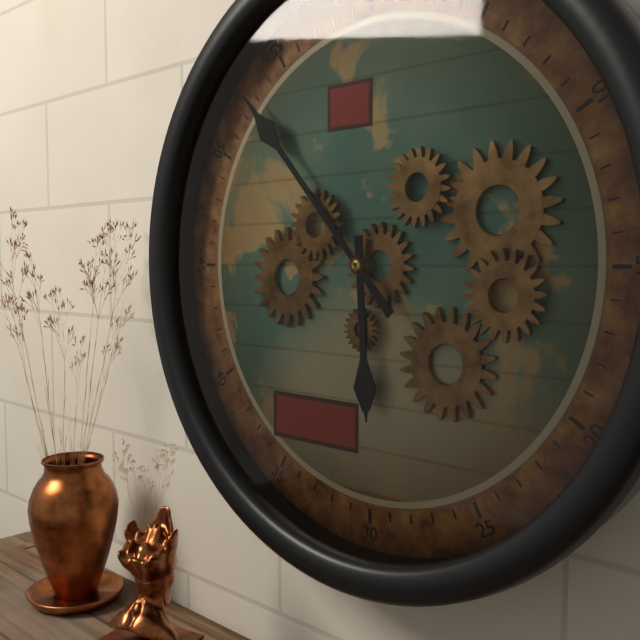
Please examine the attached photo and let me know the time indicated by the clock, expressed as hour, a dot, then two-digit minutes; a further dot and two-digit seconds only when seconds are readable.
5.53
